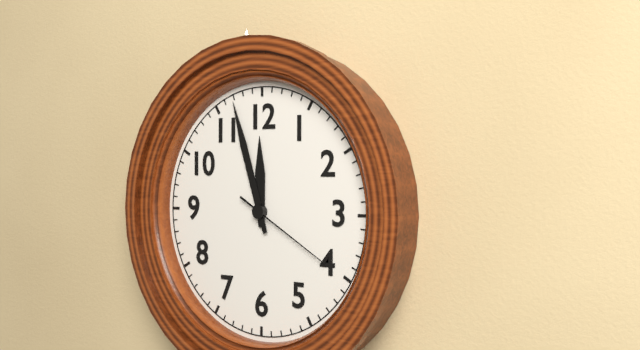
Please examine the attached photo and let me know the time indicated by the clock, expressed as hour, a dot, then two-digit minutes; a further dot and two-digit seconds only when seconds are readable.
11.57.20
